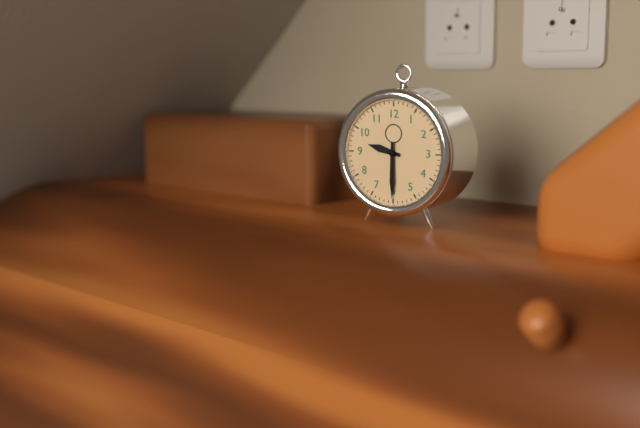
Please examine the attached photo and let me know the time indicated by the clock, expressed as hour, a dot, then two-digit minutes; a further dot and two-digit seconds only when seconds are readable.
9.30
